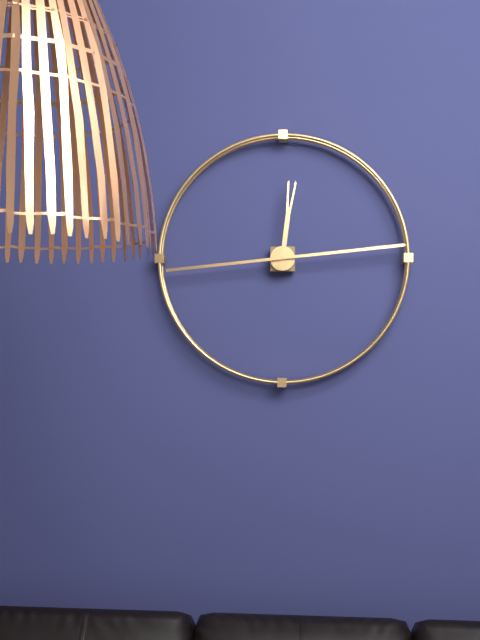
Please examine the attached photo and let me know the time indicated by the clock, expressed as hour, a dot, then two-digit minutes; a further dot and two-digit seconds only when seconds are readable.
12.14
